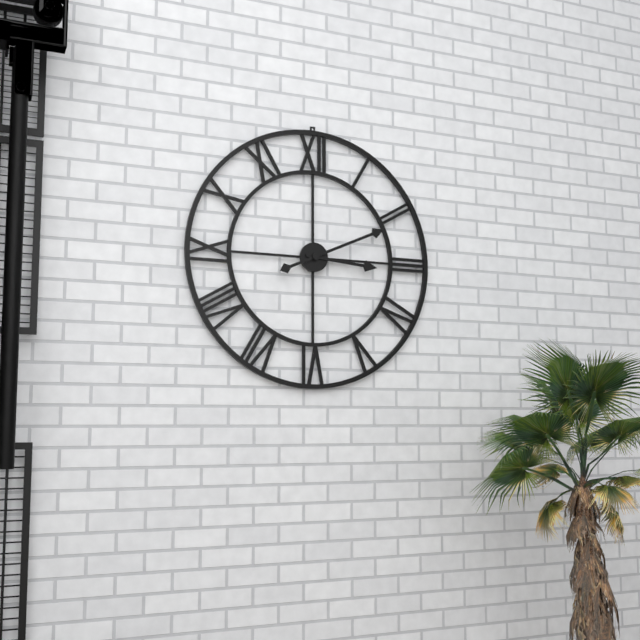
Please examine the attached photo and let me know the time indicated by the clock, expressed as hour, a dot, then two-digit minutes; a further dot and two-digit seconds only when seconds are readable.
3.11
